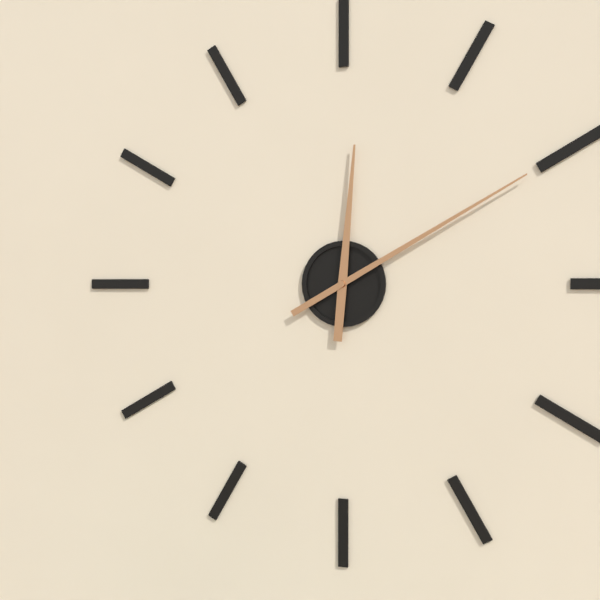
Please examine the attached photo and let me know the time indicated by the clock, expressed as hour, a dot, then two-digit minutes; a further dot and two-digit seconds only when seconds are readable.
12.10
